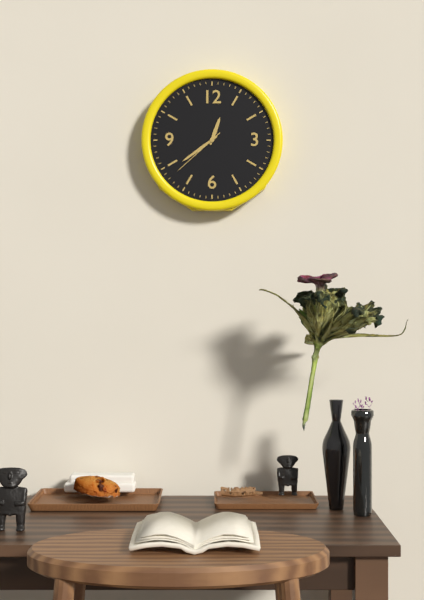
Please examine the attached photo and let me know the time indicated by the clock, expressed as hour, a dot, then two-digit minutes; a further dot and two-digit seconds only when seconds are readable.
12.39.38
